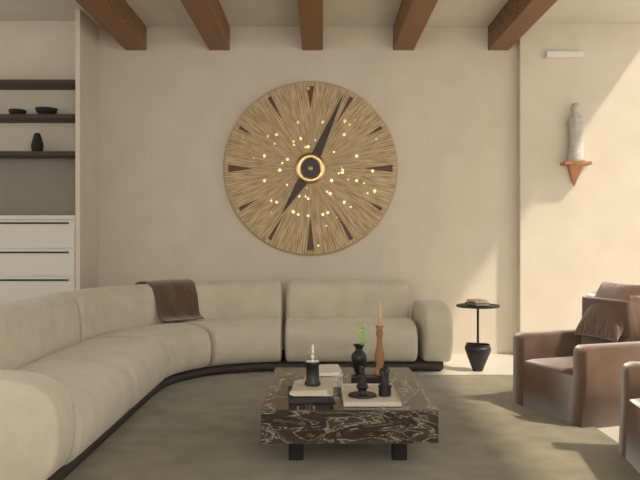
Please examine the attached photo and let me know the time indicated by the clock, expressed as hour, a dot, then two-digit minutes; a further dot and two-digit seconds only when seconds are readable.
7.04
